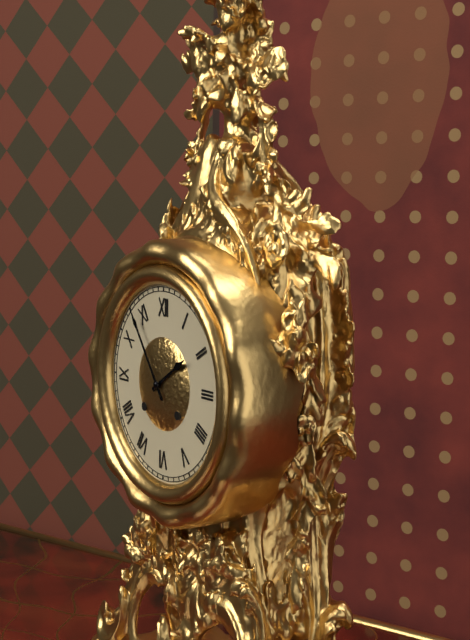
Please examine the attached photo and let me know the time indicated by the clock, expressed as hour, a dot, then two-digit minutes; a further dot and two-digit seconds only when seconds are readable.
1.54
